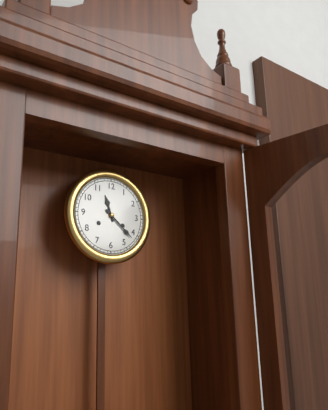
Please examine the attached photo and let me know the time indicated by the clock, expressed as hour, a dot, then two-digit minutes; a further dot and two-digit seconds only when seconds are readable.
11.22
